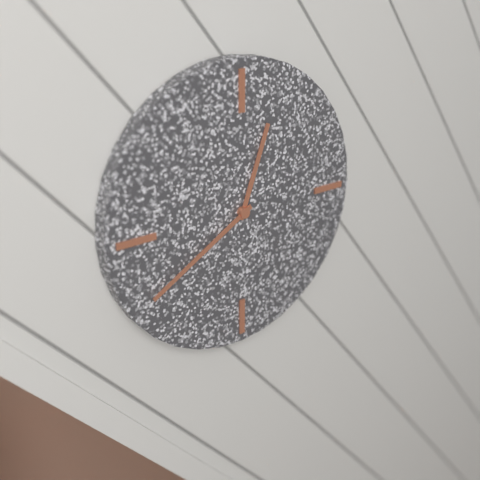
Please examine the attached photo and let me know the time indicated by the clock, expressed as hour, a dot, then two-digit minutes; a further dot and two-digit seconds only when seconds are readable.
12.40
